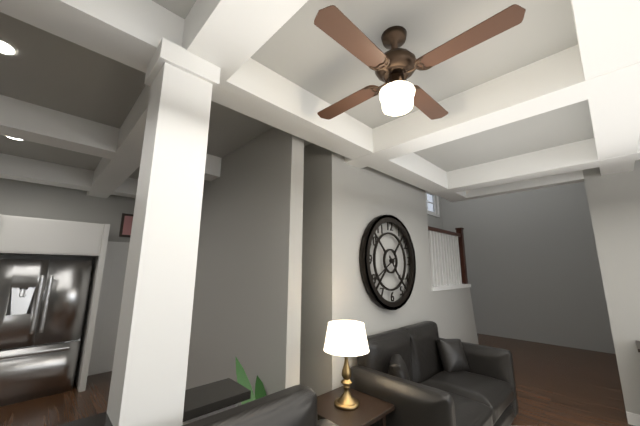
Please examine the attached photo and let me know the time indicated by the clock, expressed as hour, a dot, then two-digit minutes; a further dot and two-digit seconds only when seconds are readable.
4.40
